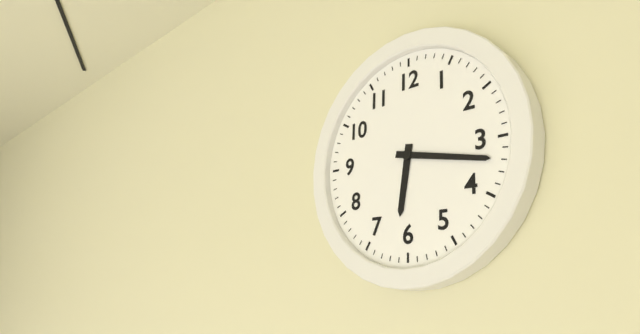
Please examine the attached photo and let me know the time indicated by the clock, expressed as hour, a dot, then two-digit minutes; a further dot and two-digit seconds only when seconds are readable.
6.17
